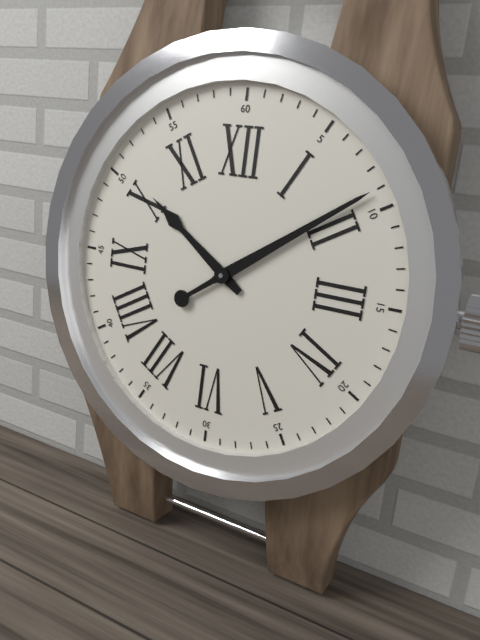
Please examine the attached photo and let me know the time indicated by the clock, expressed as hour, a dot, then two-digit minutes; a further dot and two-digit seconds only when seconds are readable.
10.09
